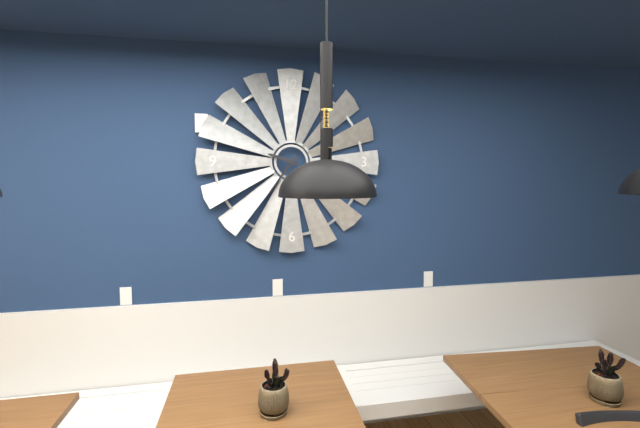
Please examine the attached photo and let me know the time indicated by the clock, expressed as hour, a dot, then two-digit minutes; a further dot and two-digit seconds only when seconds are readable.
9.36
